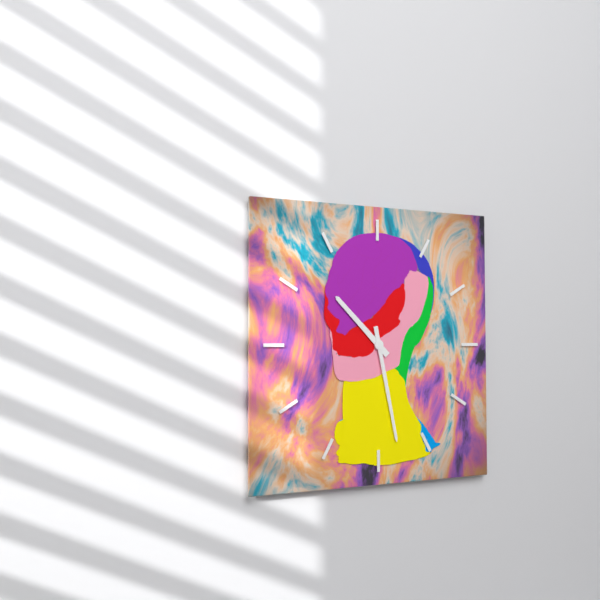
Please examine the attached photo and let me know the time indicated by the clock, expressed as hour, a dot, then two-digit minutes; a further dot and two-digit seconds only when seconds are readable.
10.28
